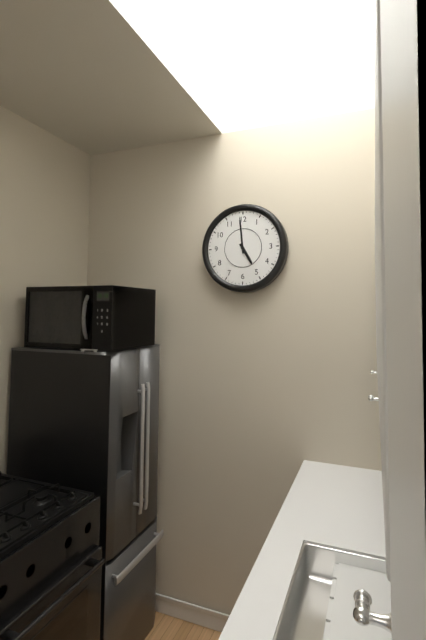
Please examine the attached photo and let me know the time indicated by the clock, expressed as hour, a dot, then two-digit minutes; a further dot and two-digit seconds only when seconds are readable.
4.59
